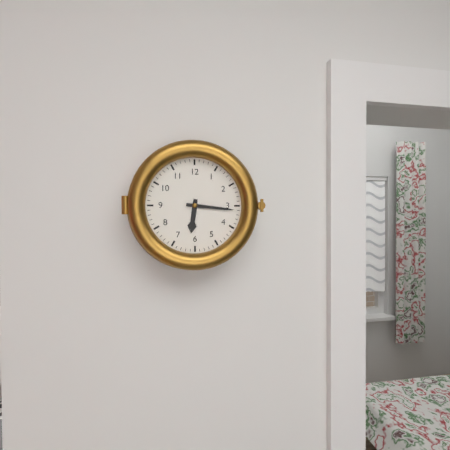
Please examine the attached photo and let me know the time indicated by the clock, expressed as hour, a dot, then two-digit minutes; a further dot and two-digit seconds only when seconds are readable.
6.16
